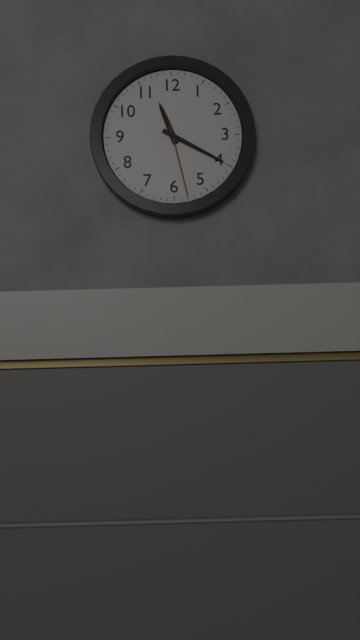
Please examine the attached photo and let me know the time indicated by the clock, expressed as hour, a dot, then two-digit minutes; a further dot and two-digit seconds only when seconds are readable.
11.20.28
